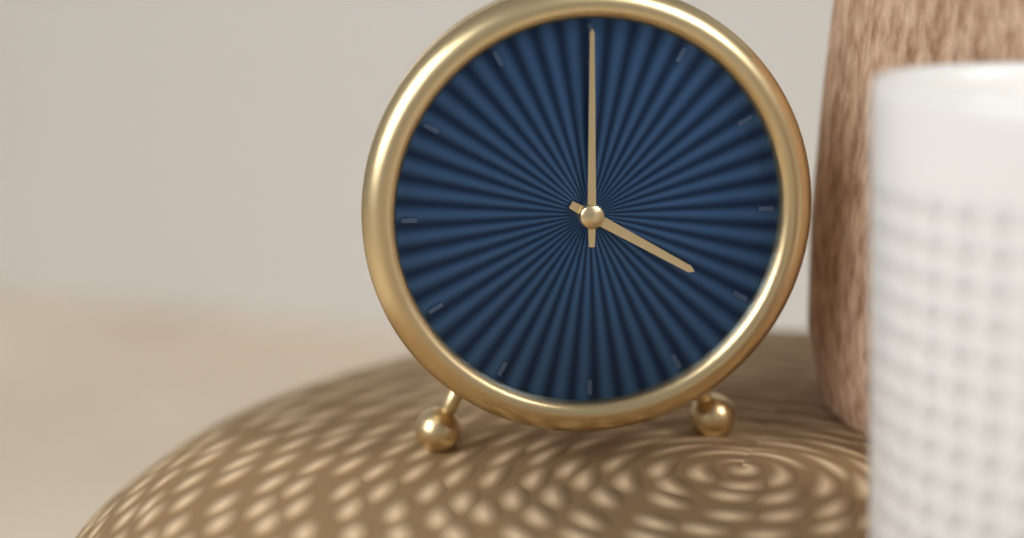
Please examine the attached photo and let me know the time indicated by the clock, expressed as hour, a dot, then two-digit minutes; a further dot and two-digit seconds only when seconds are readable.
4.00
